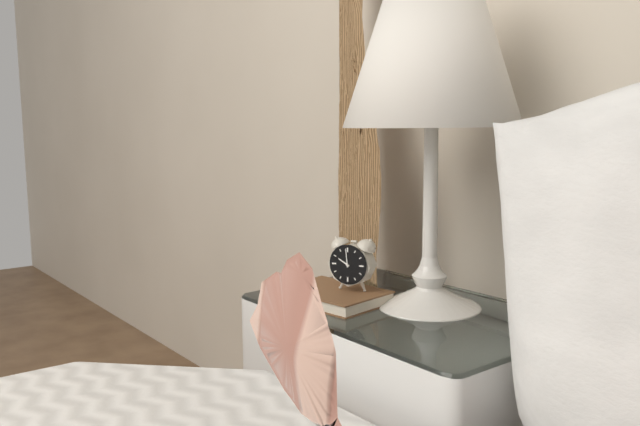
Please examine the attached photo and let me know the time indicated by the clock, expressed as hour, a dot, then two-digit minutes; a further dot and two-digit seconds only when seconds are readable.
9.59
